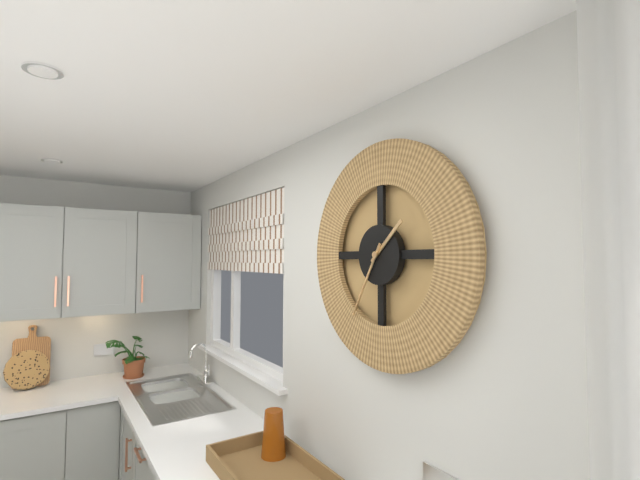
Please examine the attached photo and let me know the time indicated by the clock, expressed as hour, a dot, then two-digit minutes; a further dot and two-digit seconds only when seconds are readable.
1.35
